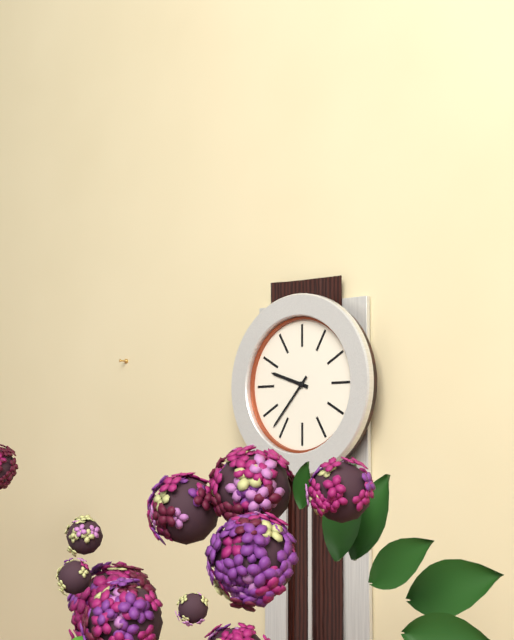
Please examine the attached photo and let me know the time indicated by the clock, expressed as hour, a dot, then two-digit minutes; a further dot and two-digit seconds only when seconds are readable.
9.37
